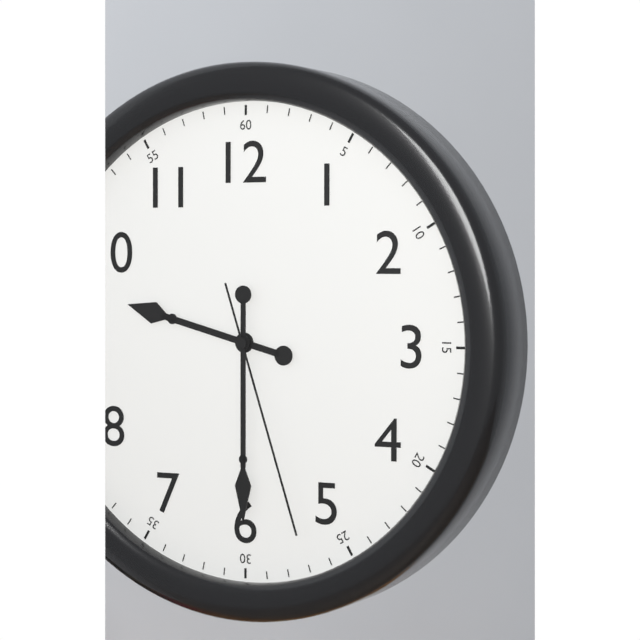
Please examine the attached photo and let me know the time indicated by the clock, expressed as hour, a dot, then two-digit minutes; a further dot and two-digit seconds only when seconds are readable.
9.30.27
